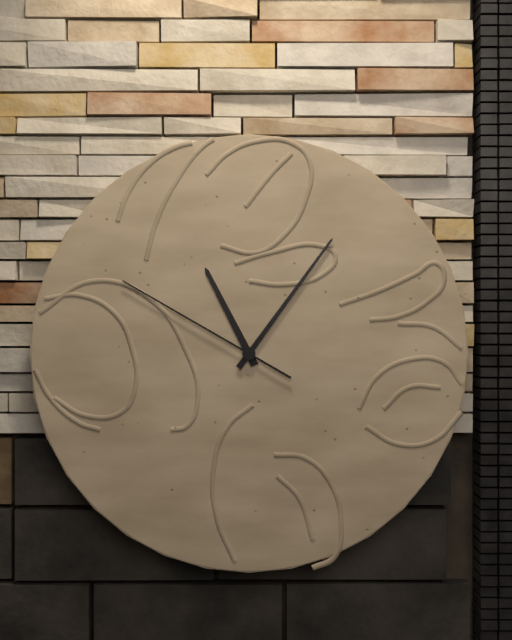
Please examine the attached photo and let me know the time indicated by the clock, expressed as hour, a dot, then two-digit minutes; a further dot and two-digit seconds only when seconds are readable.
11.06.50
